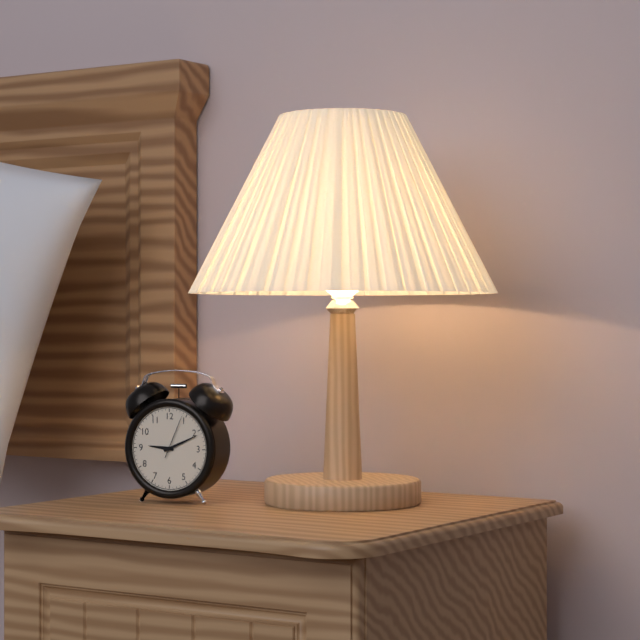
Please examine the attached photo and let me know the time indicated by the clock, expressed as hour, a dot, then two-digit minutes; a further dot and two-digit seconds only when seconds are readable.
9.11
